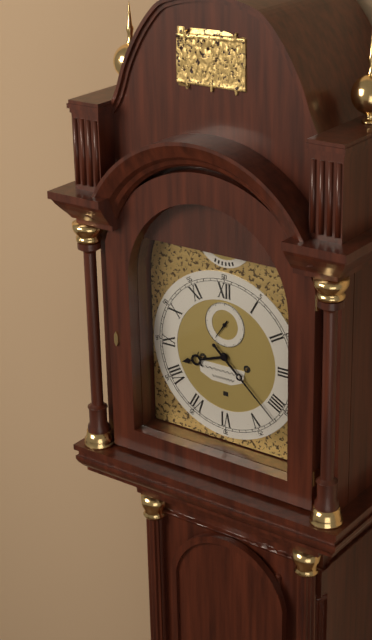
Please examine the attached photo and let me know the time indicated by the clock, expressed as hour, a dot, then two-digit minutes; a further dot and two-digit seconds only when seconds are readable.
8.22
